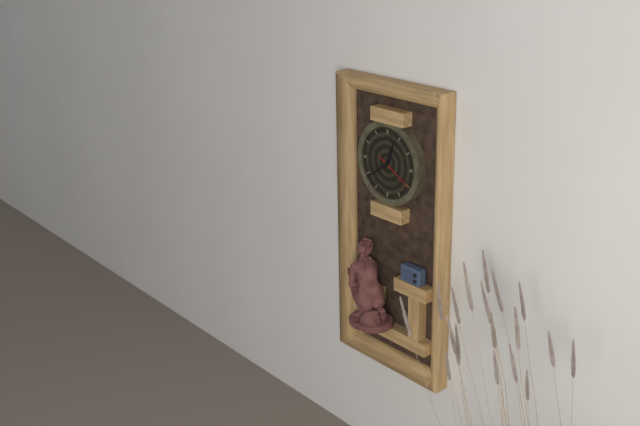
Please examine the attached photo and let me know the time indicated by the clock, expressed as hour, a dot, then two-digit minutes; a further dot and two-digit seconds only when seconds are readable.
12.39
